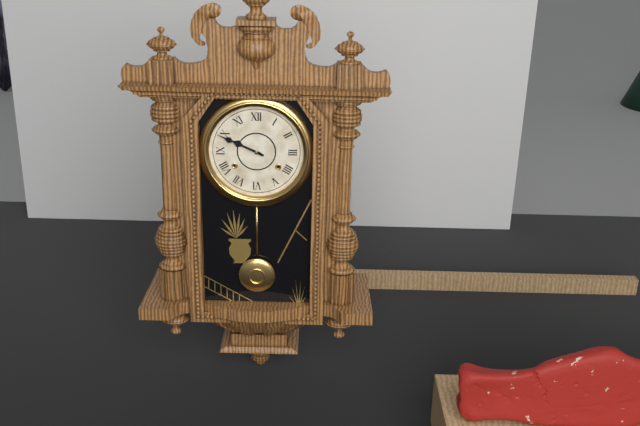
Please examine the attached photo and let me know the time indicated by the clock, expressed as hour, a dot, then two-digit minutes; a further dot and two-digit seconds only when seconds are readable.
9.49
